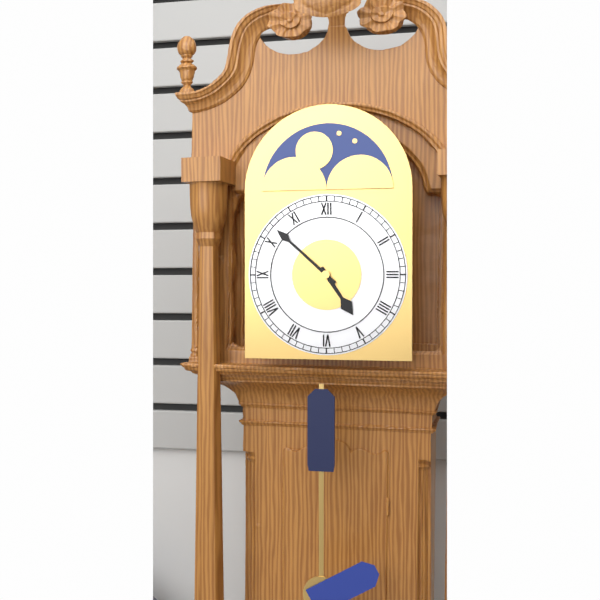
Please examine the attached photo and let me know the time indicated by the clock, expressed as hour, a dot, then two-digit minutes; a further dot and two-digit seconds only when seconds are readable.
4.52
